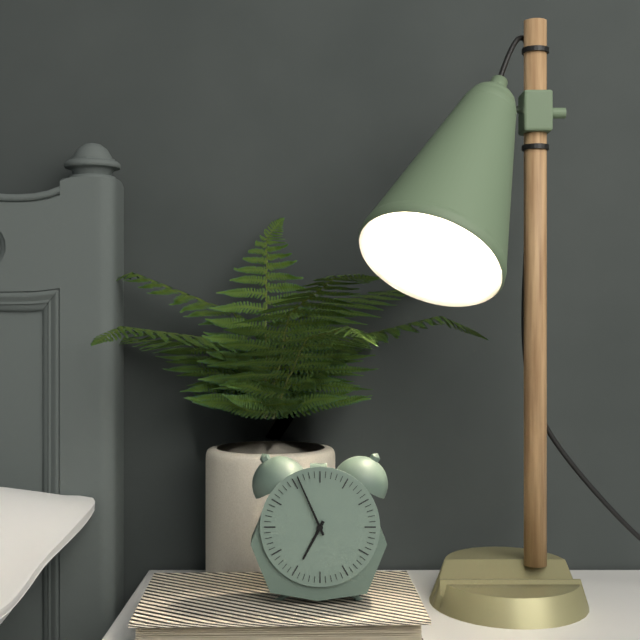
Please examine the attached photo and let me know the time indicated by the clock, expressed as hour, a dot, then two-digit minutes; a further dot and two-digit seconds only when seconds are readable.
6.56
